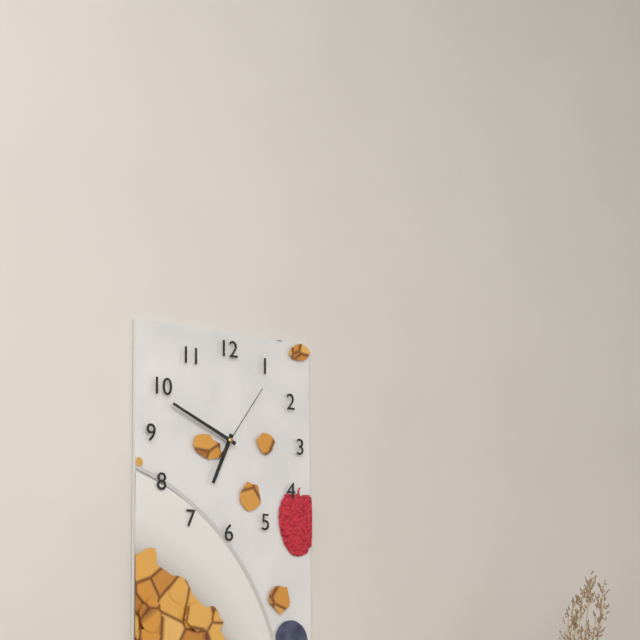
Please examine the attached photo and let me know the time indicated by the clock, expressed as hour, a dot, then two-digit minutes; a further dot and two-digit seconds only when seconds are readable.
6.49.06
